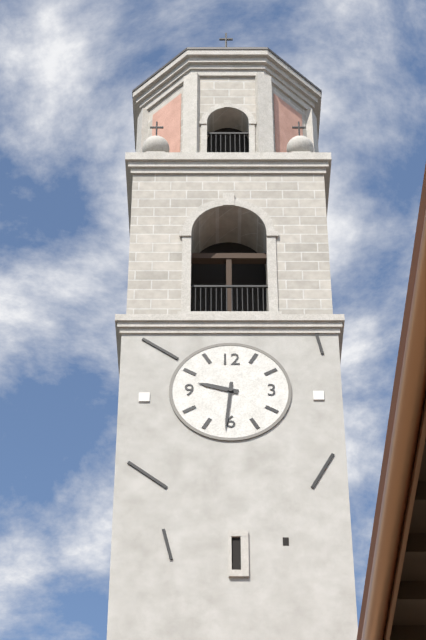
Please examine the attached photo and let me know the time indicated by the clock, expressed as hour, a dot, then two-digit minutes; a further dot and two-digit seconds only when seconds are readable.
9.31
